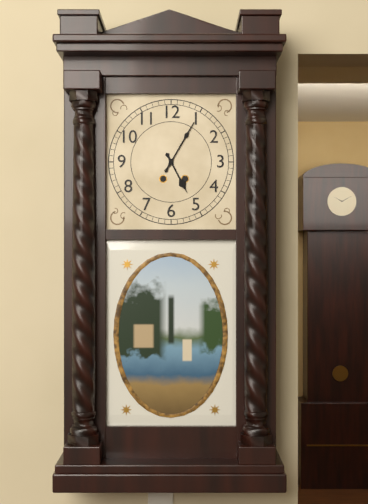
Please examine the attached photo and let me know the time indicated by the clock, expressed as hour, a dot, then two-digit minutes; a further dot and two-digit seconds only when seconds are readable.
5.05
